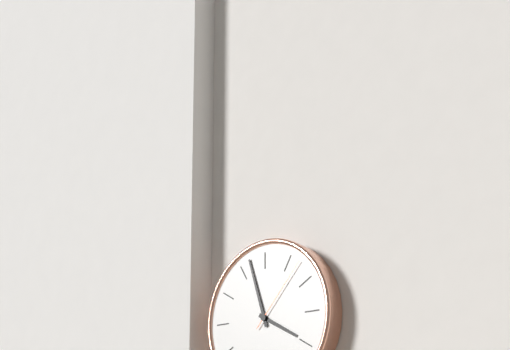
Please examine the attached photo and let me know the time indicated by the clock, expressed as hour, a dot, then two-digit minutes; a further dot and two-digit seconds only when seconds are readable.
3.57.07
